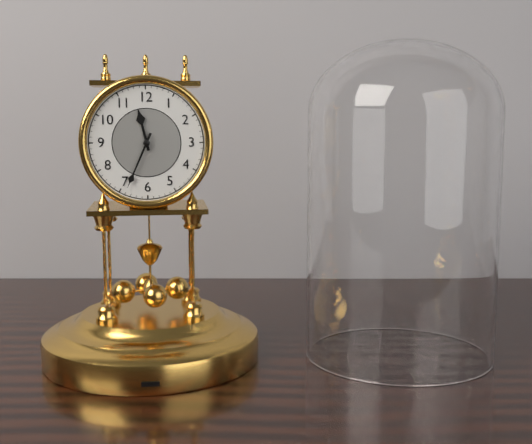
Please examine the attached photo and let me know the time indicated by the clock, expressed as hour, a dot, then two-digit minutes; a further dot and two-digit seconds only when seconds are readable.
11.34
